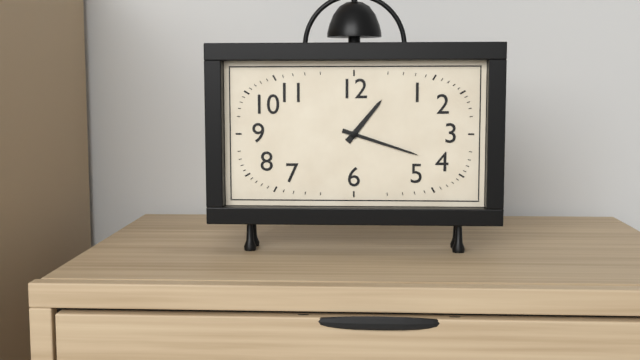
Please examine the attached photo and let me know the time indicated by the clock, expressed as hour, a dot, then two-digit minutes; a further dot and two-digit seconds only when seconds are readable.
1.18
